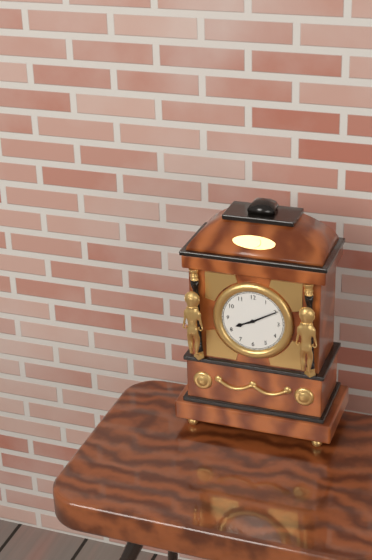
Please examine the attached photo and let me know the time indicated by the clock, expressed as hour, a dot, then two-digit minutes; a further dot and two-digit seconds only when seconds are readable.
8.10
